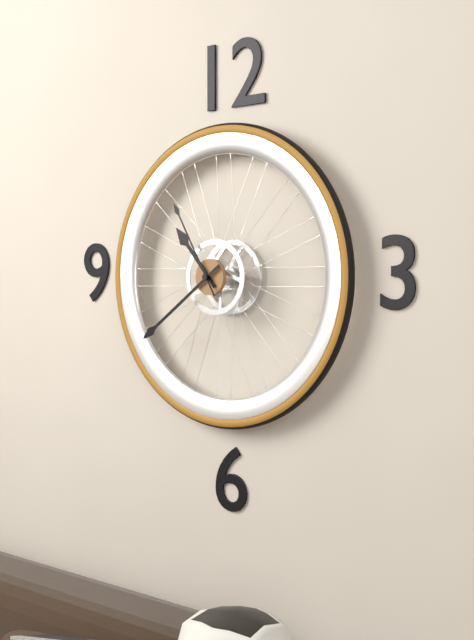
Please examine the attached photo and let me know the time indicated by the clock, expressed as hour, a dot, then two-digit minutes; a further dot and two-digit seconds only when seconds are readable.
10.39.55
